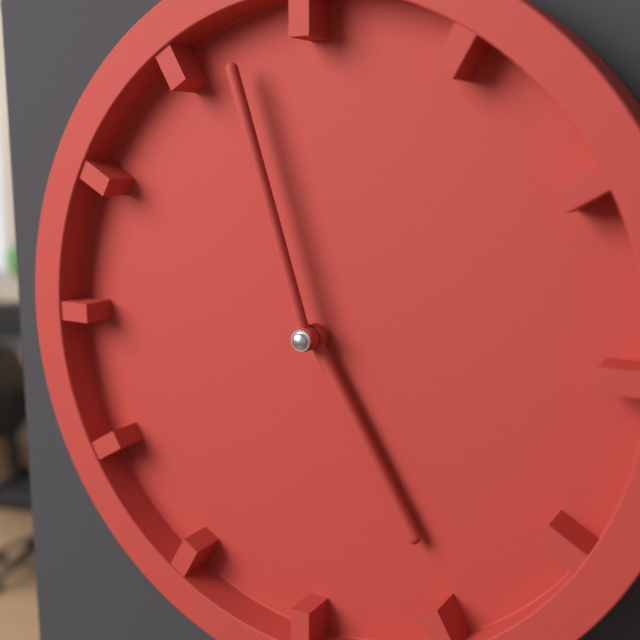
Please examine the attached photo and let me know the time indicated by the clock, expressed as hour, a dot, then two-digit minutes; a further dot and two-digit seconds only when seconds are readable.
4.57
